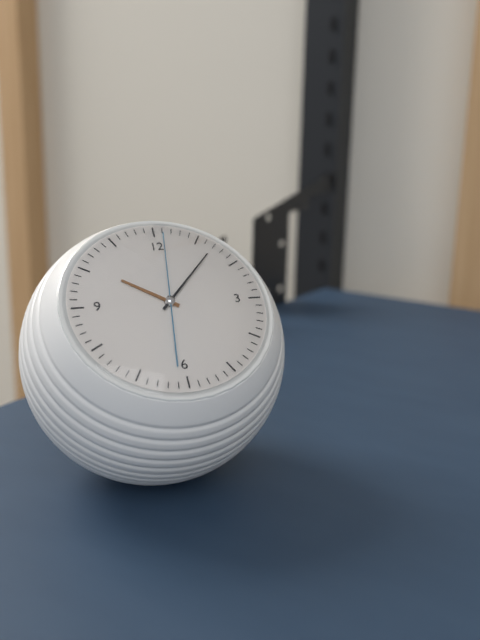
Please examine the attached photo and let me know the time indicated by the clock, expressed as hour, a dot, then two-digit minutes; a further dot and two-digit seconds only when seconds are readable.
10.07.01
